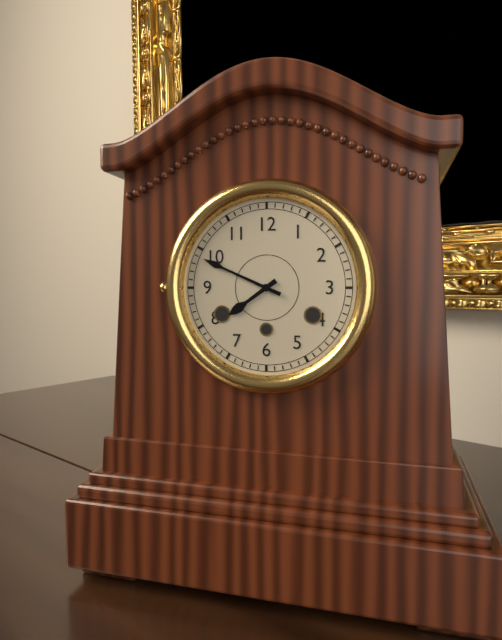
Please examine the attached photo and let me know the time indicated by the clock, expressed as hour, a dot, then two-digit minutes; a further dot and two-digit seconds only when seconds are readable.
7.49
